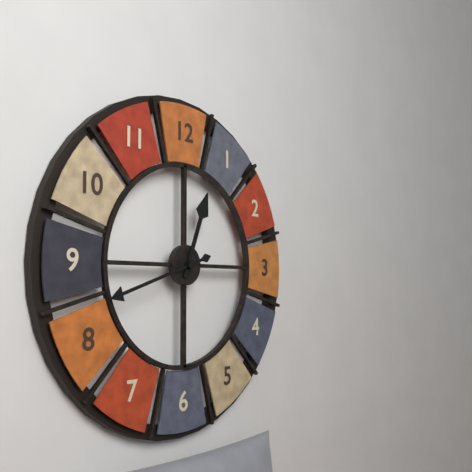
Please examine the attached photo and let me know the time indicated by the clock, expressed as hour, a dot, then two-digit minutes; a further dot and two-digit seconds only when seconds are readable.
12.42
